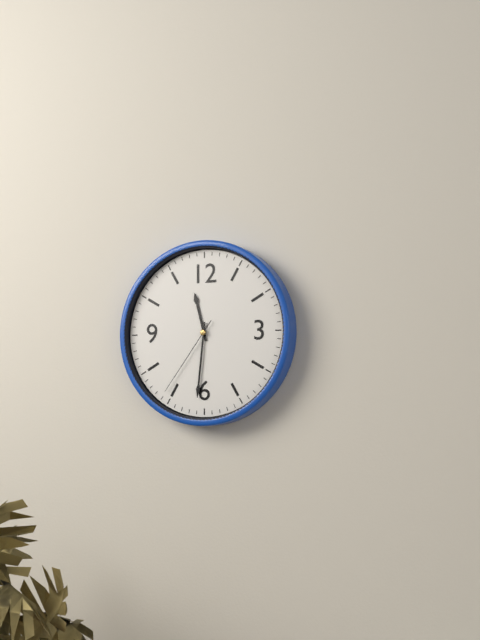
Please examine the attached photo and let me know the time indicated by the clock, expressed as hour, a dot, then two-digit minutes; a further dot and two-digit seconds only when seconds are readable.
11.31.36
